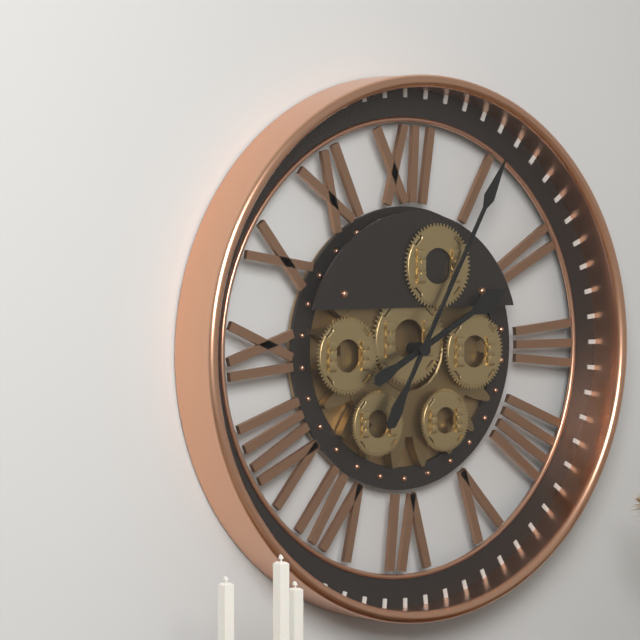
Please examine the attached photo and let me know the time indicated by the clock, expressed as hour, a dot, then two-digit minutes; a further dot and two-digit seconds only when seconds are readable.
2.05
